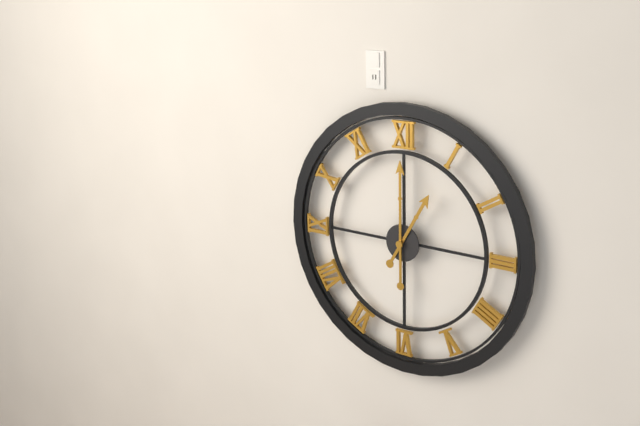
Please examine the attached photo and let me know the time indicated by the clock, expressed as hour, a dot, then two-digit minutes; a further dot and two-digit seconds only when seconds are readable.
1.00
